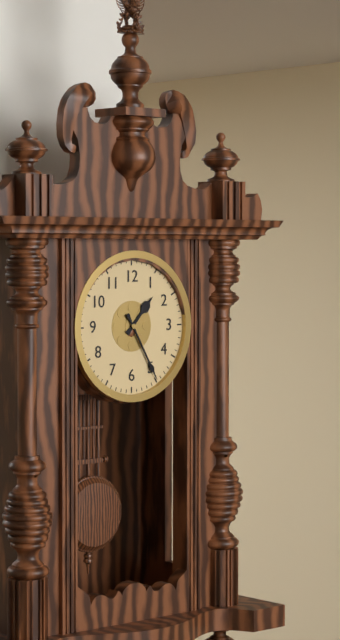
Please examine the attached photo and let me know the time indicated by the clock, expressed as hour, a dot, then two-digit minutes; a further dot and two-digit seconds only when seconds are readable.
1.25
